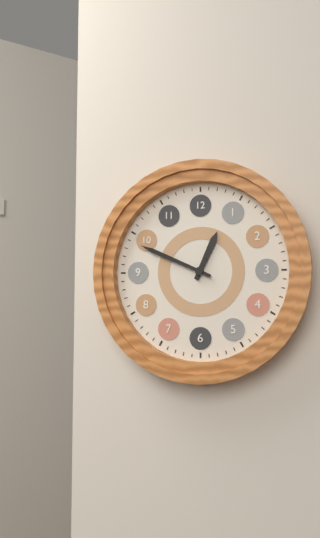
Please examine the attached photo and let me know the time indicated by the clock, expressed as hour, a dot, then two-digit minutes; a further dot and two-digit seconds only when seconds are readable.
12.49
